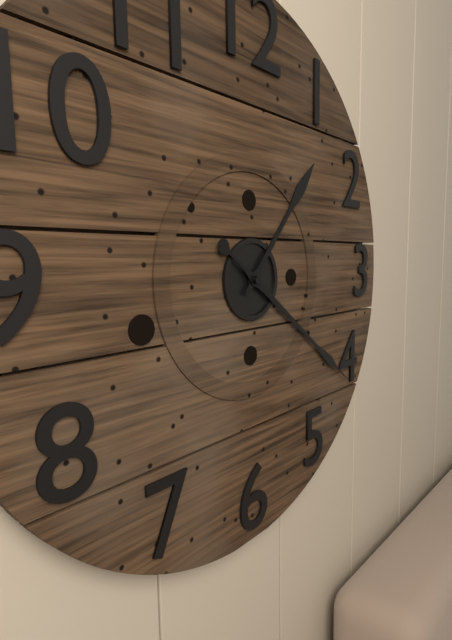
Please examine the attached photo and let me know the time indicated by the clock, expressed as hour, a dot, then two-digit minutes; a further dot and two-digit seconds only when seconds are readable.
1.21
